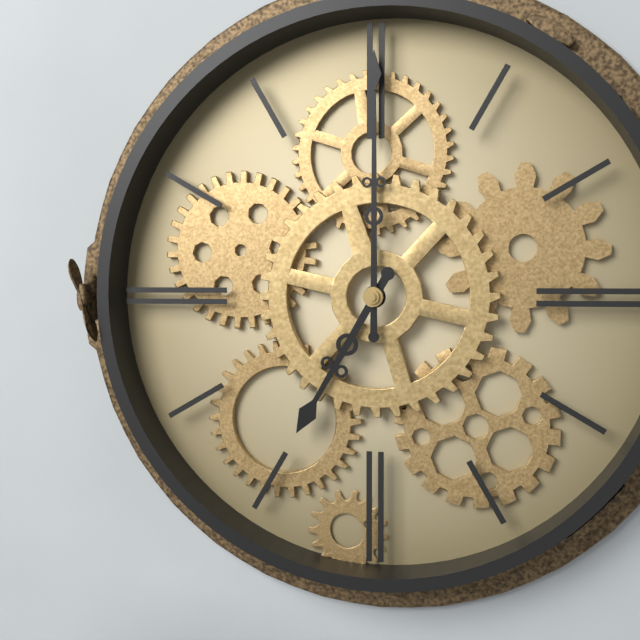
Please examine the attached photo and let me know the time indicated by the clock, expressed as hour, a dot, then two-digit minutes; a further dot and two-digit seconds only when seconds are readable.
7.00
